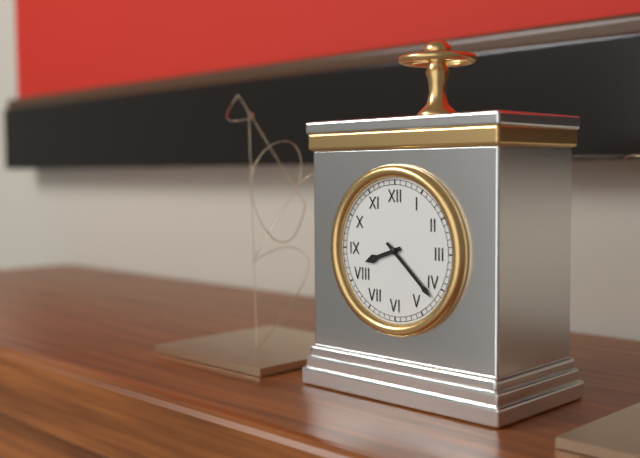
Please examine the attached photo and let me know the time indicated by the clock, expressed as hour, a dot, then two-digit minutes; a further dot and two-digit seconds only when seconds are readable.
8.22
